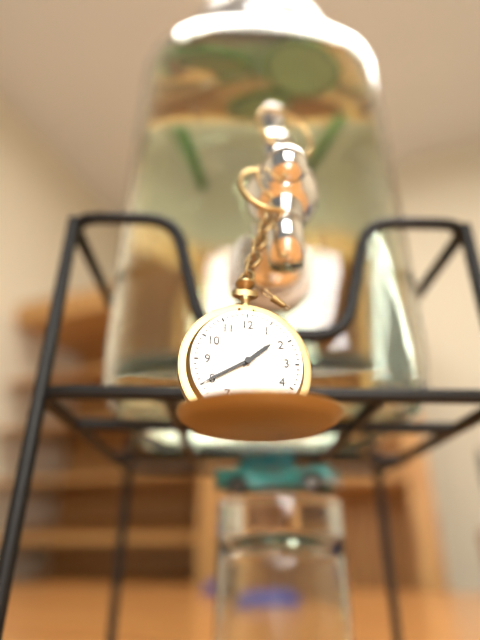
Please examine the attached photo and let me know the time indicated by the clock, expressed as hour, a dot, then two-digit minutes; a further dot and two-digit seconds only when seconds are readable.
1.40
